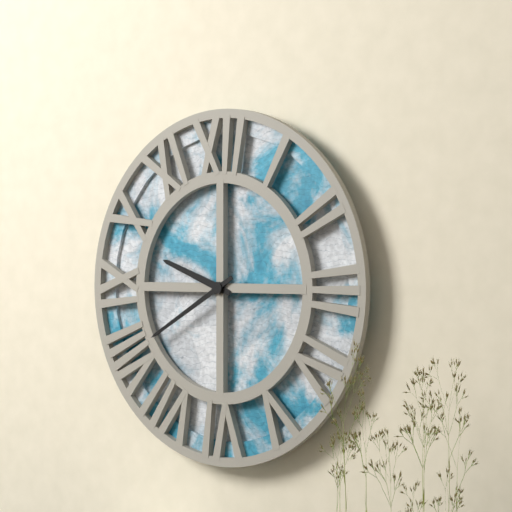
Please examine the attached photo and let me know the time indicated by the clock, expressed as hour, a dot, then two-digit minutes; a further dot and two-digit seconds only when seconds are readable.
9.40
